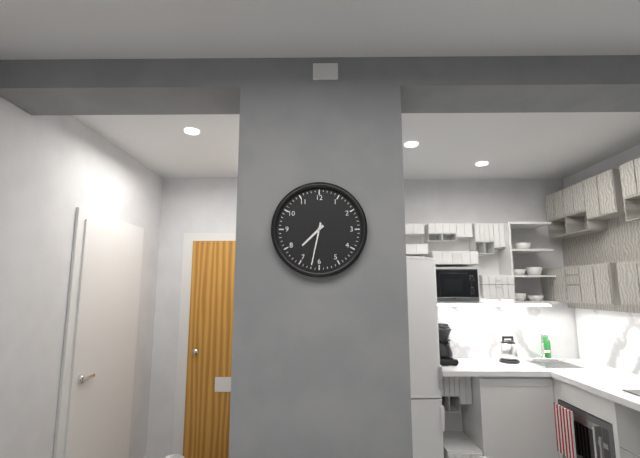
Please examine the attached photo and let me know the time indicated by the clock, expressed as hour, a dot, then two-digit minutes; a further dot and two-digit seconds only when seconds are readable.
7.32
